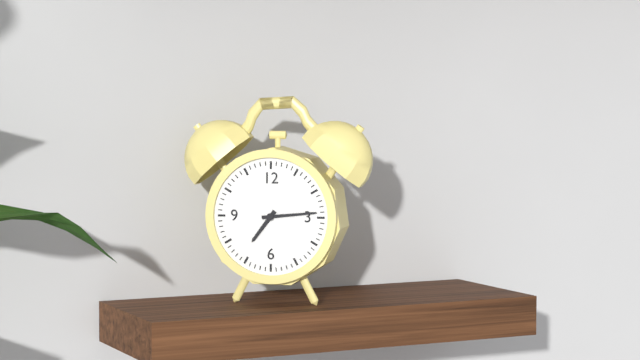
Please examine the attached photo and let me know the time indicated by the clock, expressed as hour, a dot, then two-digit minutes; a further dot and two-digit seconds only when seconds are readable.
7.14
